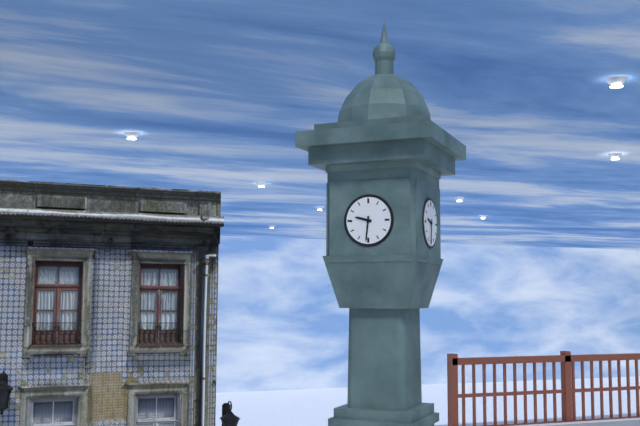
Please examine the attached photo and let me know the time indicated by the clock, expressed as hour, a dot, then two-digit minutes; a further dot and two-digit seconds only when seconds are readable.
9.31
